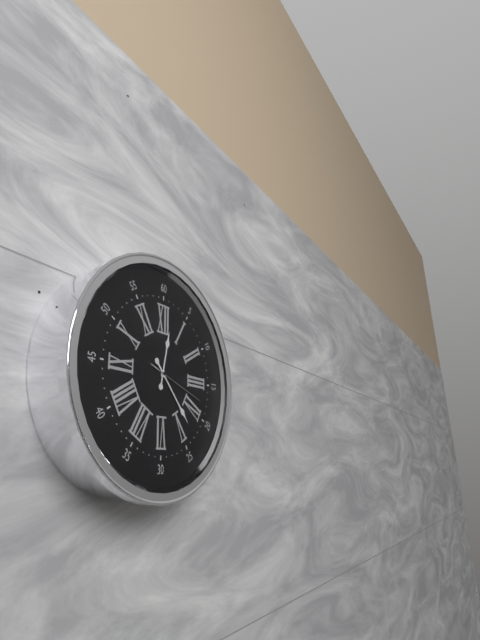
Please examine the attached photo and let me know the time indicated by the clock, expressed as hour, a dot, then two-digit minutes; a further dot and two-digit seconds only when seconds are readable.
12.23.18
